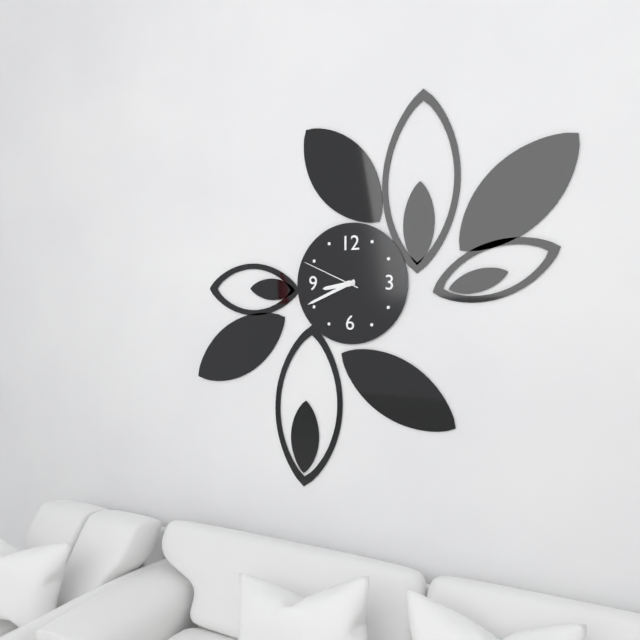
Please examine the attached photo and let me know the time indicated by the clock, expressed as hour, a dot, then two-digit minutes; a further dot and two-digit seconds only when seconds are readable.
8.41.49
